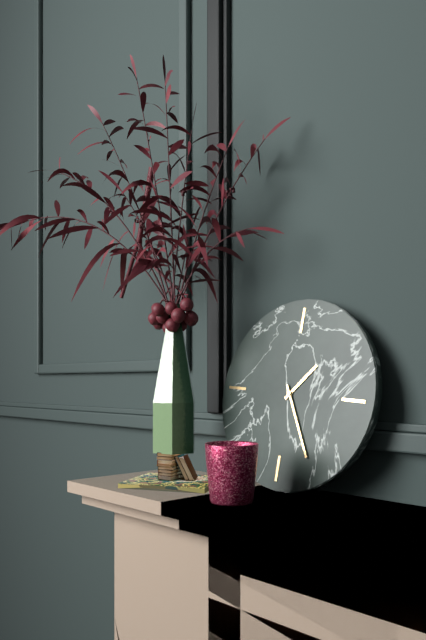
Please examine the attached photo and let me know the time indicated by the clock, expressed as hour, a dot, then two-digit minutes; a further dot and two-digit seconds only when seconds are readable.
1.25
